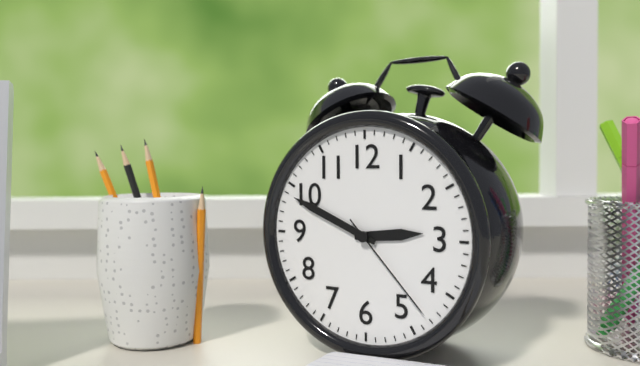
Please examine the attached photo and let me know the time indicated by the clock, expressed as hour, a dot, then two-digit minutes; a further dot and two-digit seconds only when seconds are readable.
2.49.23
